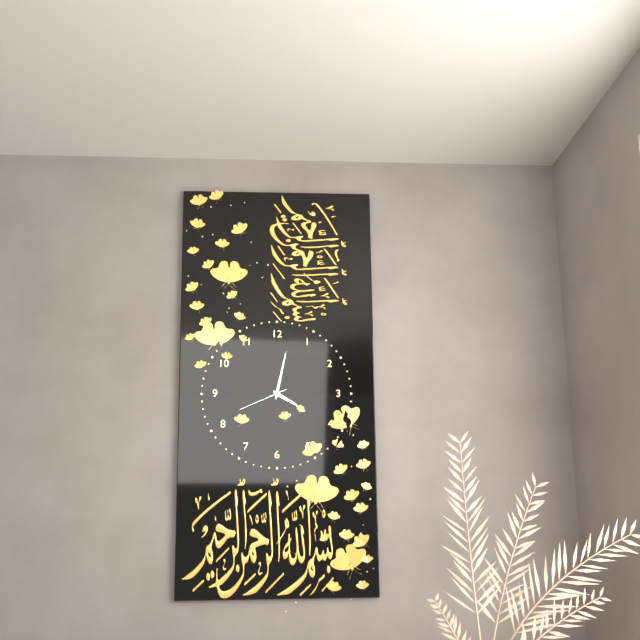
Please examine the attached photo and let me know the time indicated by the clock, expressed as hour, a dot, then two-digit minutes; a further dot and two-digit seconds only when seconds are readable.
4.02.41
